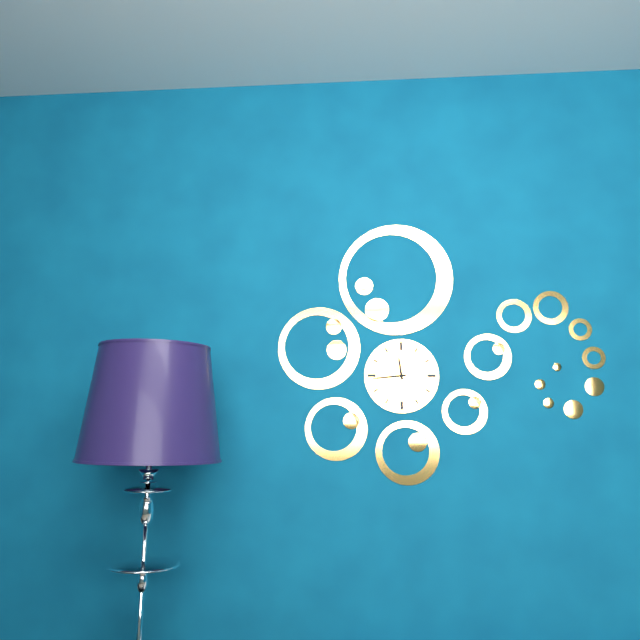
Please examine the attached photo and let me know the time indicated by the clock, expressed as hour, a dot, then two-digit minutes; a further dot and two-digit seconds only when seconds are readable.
11.44
